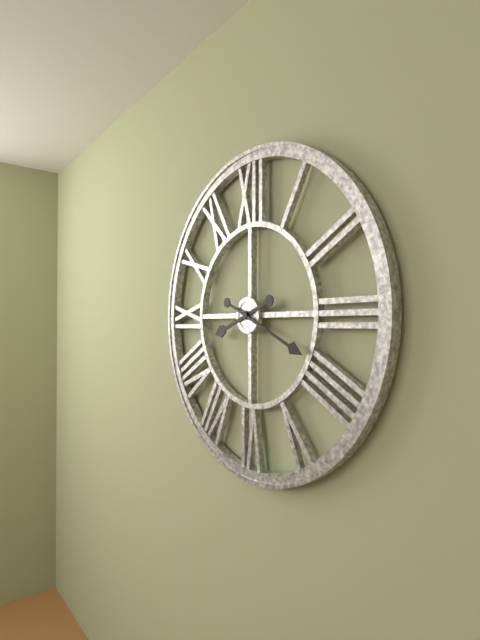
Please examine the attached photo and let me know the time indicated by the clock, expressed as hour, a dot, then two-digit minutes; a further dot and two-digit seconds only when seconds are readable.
8.19
